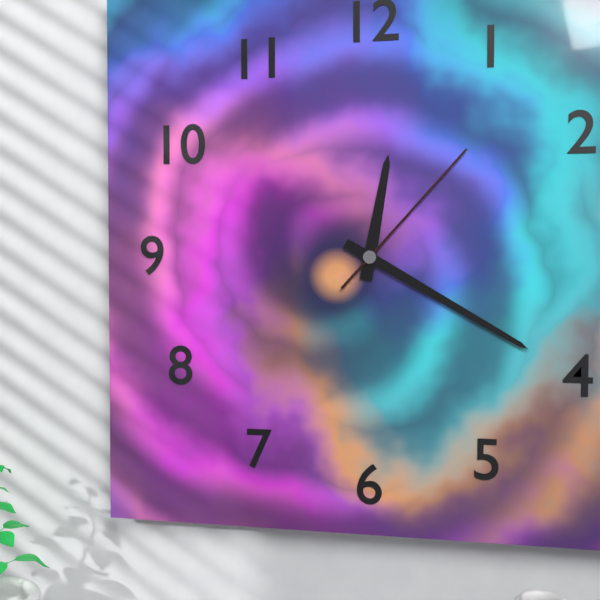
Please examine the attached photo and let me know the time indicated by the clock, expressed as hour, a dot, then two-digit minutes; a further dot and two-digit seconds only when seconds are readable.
12.20.07
